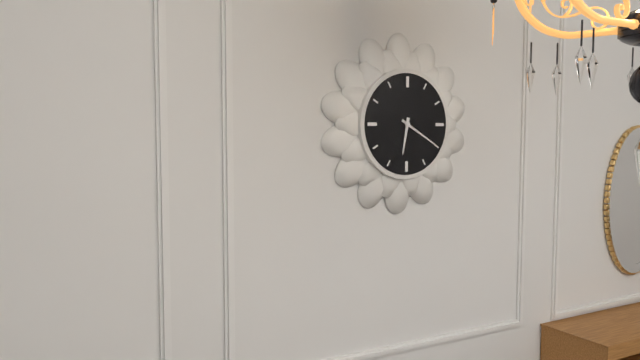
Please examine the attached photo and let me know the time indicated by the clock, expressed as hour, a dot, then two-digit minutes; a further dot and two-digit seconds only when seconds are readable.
6.20
